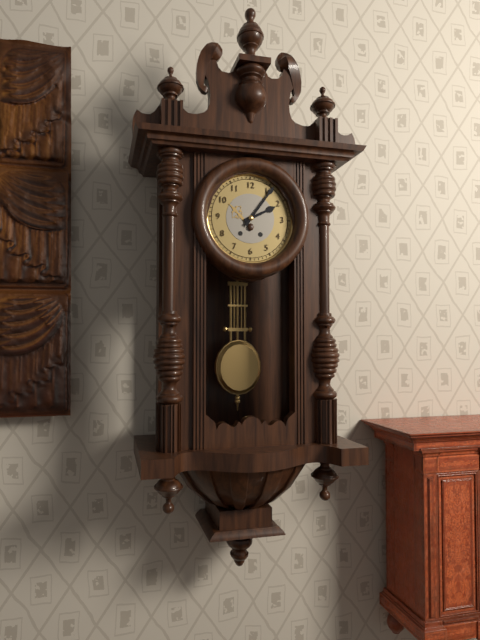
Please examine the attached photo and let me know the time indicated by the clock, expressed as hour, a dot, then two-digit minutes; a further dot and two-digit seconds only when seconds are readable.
2.06
